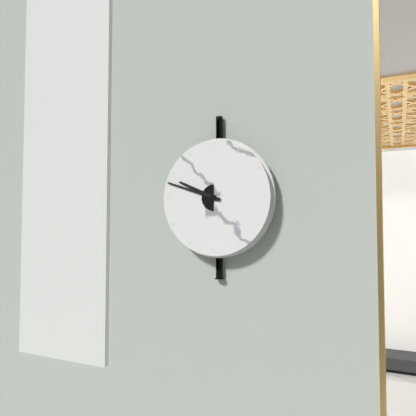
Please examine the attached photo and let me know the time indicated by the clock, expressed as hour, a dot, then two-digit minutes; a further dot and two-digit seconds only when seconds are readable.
9.48
